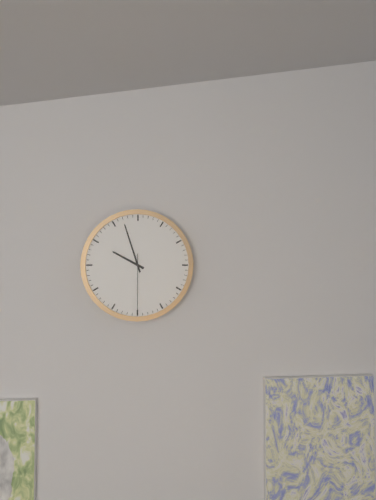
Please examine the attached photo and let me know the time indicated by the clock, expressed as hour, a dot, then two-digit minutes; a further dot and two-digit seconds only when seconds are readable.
9.57.30
